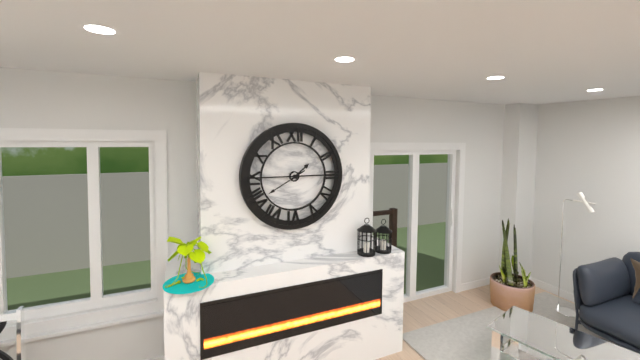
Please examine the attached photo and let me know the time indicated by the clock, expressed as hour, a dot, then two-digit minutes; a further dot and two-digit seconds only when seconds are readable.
1.40
